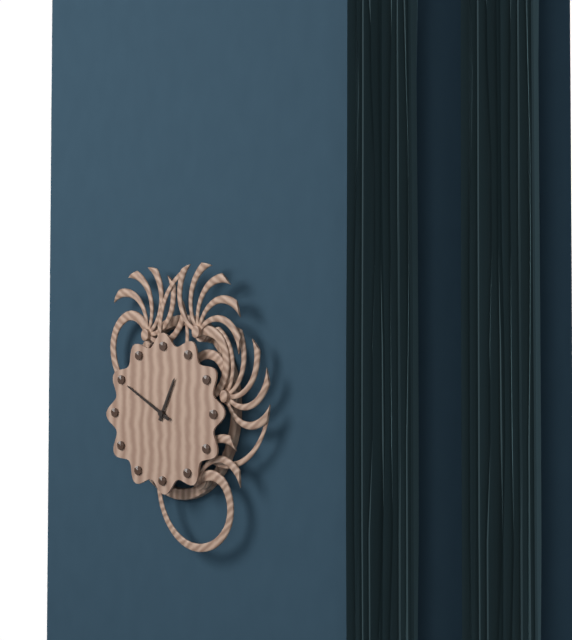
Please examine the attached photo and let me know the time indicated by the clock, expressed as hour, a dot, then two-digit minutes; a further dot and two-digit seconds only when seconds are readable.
12.50
